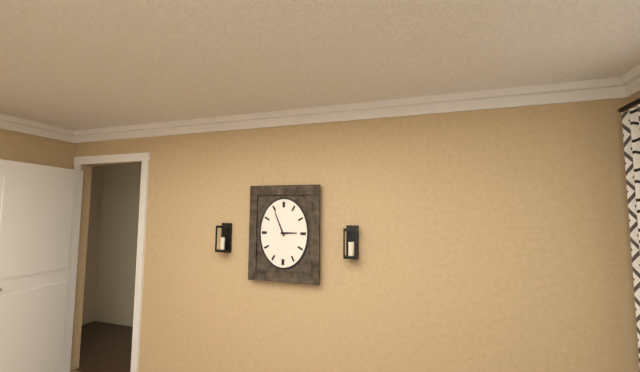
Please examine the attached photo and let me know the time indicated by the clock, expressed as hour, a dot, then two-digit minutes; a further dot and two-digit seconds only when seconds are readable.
2.56
